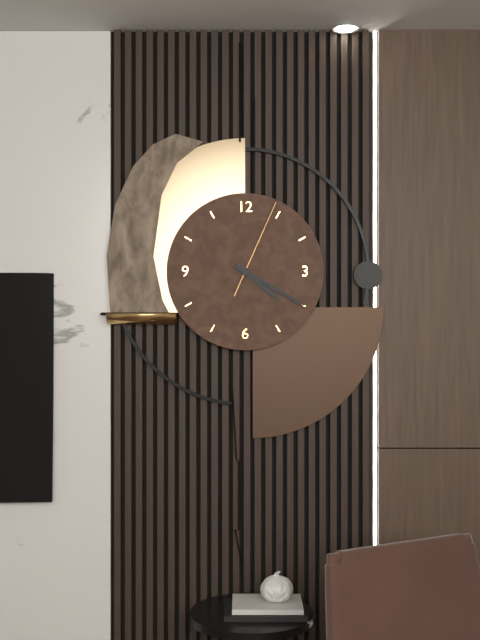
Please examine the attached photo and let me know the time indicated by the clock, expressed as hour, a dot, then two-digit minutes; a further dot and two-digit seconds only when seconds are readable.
4.20.04
